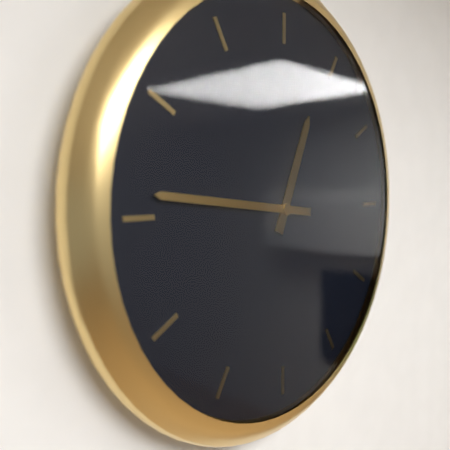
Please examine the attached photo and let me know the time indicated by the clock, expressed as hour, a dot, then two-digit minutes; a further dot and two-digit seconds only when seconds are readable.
12.46
